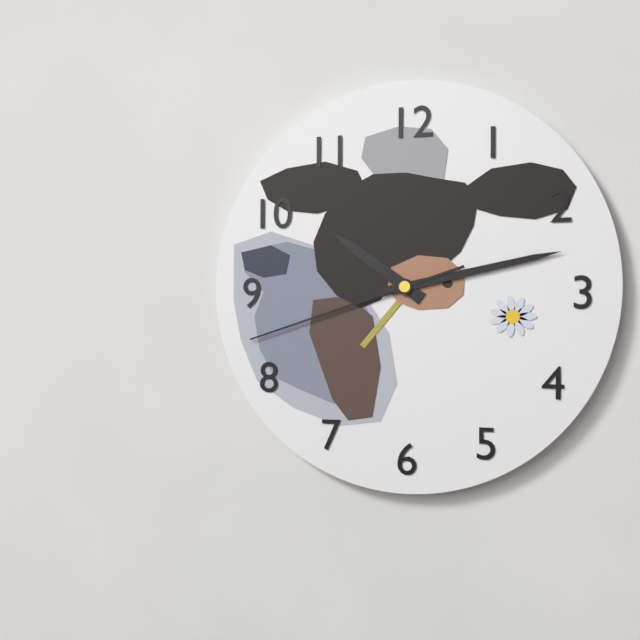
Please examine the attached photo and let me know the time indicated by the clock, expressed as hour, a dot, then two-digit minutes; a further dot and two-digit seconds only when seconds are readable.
10.13.42
